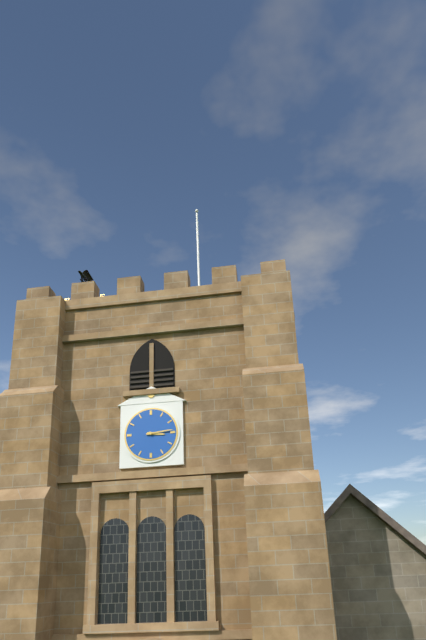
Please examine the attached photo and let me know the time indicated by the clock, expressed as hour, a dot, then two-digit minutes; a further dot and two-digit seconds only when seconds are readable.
3.14
